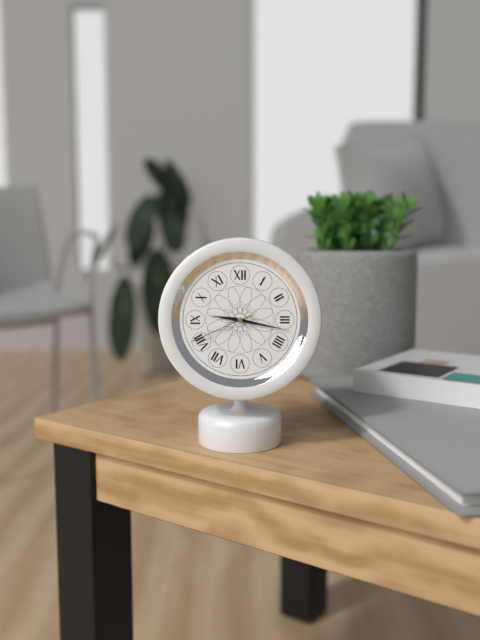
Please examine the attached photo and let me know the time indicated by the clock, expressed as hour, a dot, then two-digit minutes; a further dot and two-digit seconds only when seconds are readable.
9.17.41
